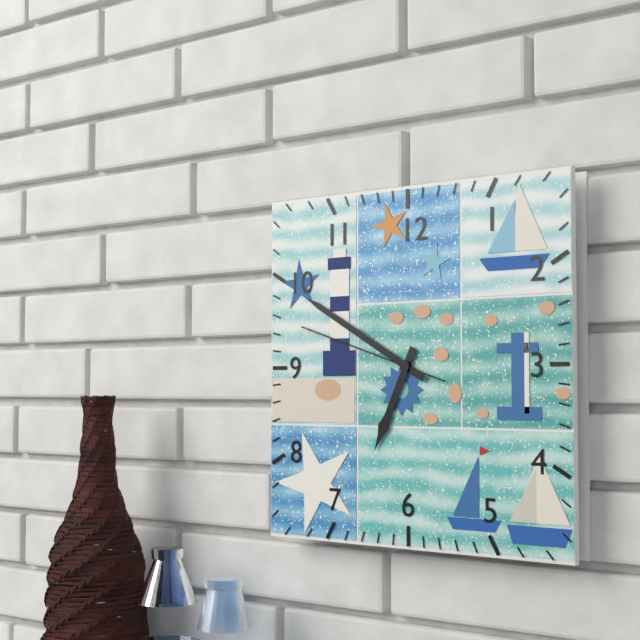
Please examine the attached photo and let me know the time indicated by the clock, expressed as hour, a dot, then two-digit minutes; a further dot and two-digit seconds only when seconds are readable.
6.50.48
